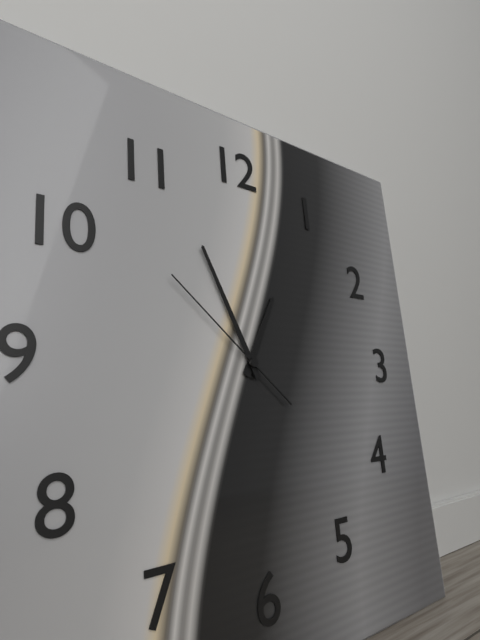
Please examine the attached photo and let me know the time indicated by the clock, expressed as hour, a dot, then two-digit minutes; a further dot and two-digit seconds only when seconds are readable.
12.56.52
